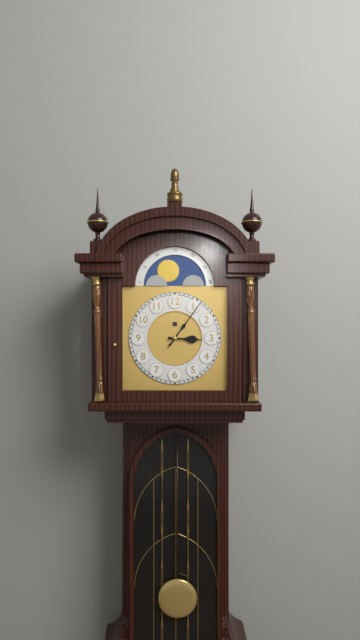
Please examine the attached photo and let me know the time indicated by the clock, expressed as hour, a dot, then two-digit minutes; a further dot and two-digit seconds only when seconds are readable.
3.06
